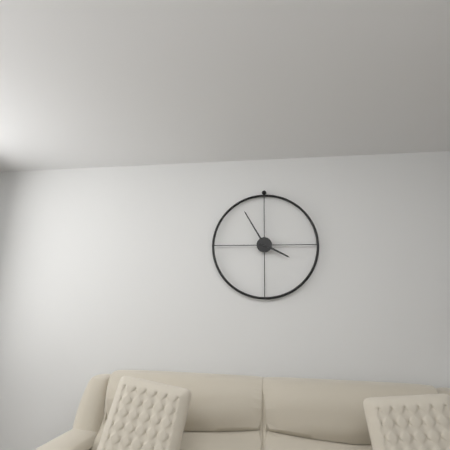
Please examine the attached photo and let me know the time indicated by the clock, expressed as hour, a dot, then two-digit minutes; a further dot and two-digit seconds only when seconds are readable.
3.55
